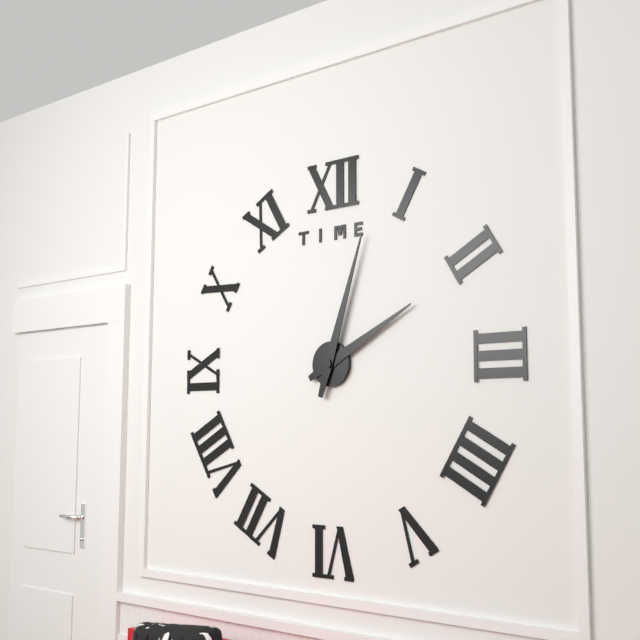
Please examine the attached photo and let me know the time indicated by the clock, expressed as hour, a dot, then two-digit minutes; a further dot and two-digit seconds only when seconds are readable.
2.03
